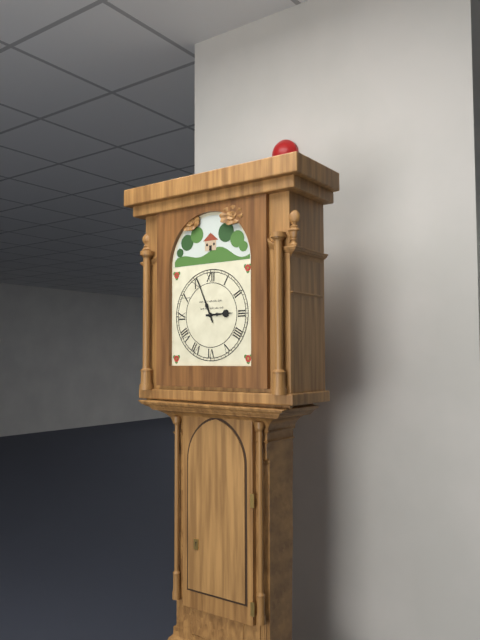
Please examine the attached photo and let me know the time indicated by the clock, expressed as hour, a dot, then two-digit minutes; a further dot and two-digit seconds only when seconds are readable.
2.56
